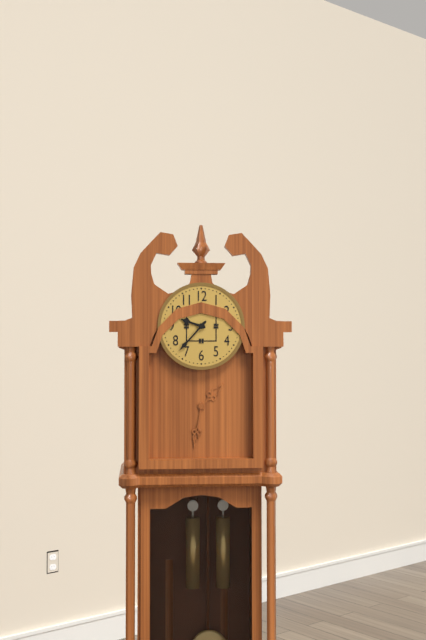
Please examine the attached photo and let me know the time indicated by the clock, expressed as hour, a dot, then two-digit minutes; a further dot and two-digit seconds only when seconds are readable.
9.37
